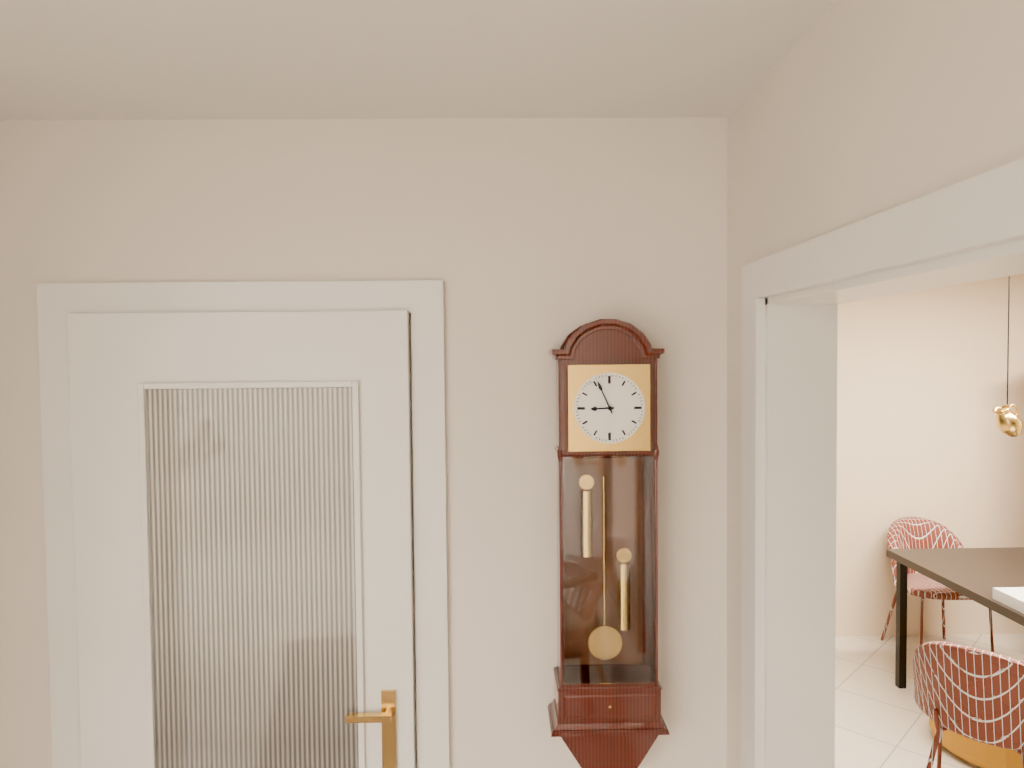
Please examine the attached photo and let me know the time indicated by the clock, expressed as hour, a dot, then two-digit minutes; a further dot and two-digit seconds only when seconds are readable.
8.56
